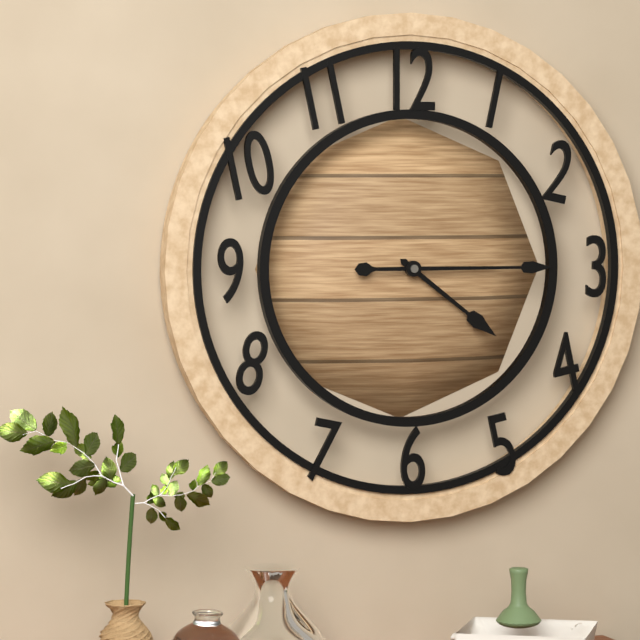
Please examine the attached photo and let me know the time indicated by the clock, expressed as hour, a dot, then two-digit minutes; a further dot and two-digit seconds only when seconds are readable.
4.15
